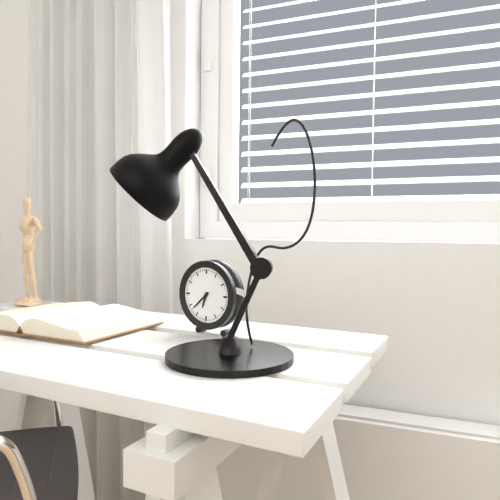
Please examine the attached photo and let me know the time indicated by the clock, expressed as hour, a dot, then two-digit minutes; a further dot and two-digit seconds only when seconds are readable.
6.38
